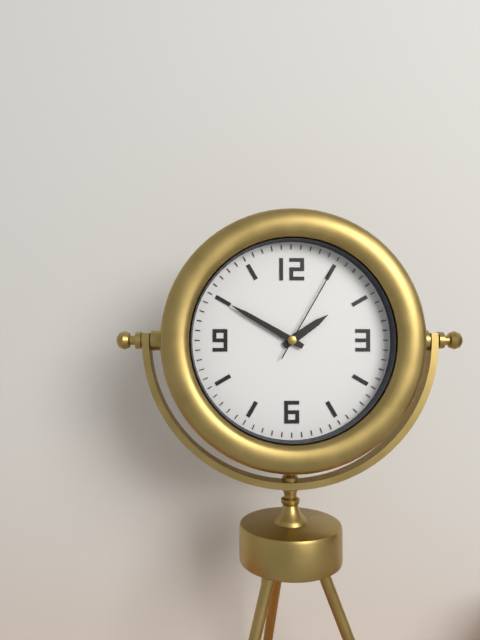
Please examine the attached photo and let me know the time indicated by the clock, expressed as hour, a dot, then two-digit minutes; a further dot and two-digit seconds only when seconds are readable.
1.50.05
